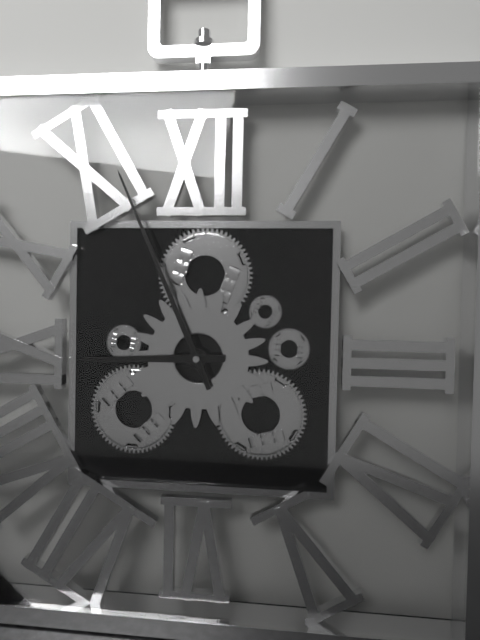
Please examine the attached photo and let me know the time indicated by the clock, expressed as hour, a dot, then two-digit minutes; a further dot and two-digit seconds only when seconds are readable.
8.56
